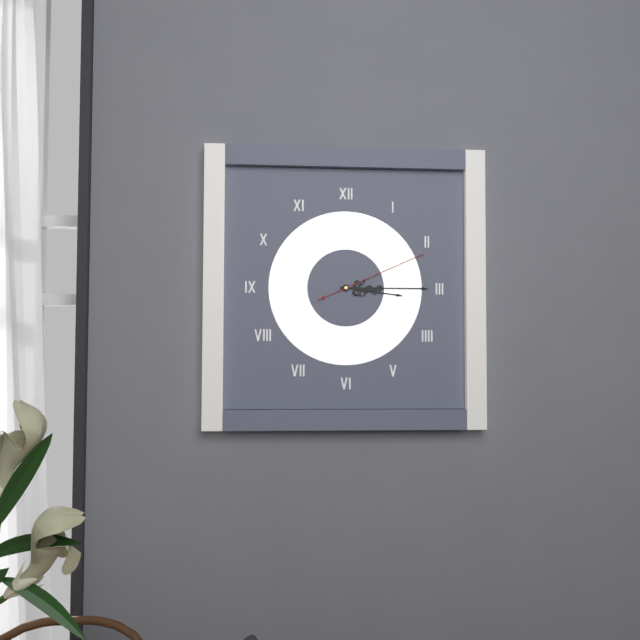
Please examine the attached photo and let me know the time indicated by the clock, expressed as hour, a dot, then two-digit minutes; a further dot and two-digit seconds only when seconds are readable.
3.15.11
